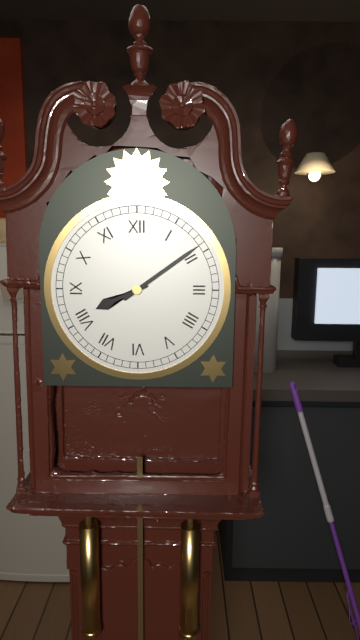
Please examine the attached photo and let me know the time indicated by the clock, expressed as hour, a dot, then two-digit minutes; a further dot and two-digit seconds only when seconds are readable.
8.09
